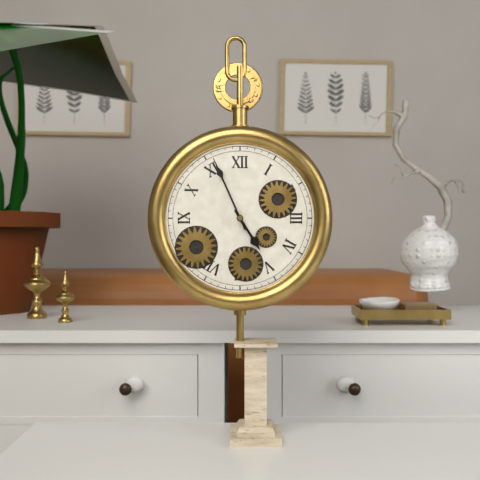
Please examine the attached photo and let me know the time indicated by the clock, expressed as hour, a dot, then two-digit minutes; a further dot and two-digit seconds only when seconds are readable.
4.56
